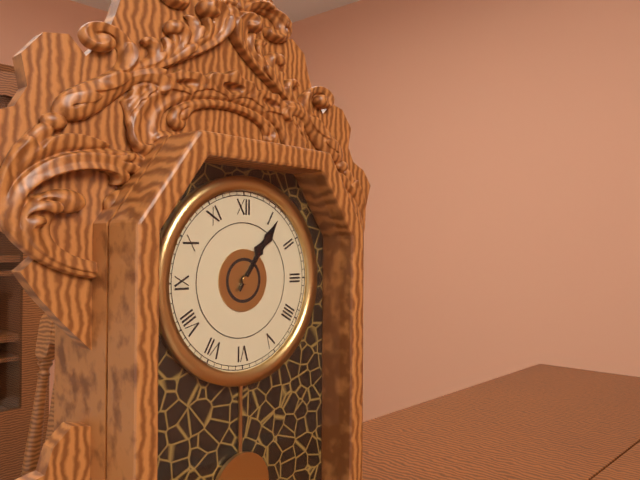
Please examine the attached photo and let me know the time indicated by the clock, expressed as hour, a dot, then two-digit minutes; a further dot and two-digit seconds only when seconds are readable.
1.06
